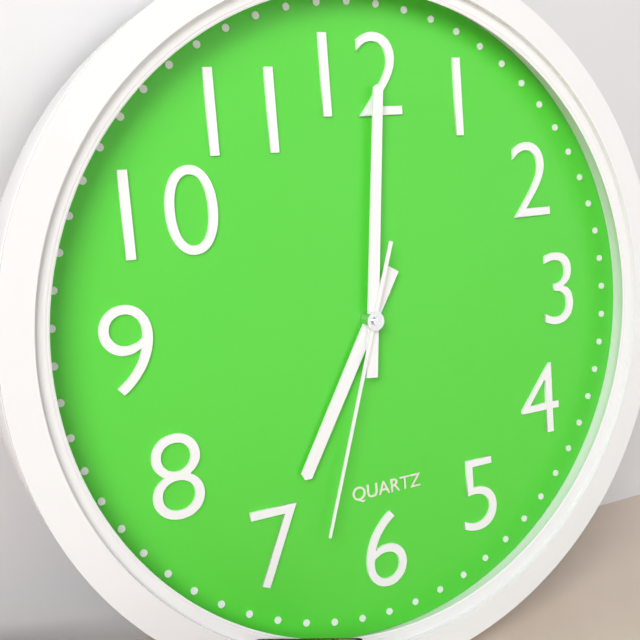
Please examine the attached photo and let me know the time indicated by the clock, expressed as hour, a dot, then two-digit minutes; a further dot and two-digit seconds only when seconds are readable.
7.01.33
